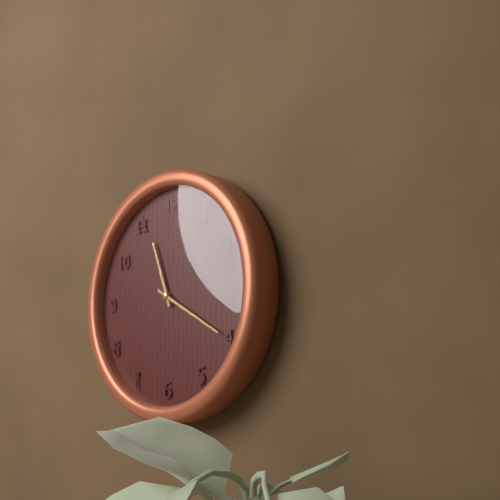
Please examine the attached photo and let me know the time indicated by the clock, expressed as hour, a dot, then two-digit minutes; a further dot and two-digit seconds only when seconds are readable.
11.20
